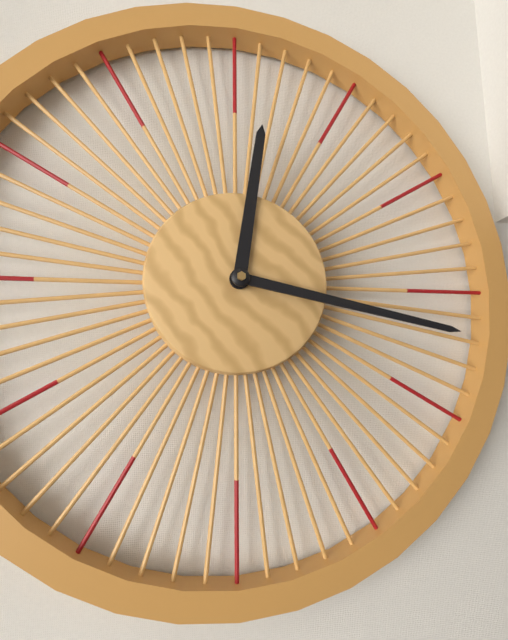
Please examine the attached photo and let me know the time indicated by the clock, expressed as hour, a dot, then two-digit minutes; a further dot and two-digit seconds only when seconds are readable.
12.17
